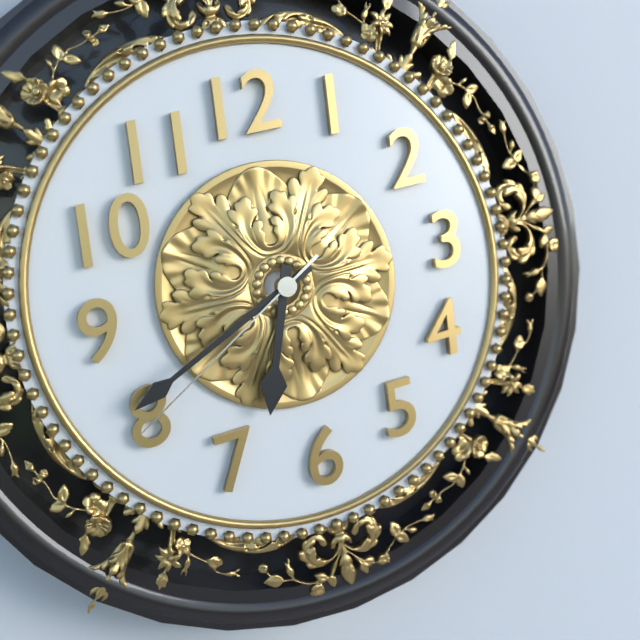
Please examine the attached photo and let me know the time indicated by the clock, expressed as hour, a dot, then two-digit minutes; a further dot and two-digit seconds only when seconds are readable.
6.41.40
